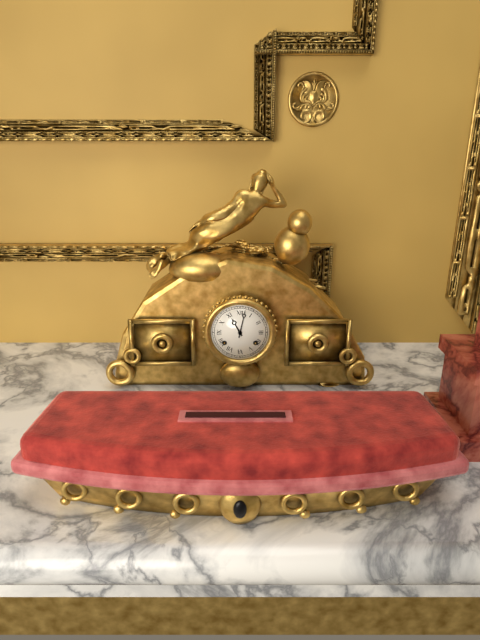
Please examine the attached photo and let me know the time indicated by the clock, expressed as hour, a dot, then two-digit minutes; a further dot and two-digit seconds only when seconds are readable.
11.02
